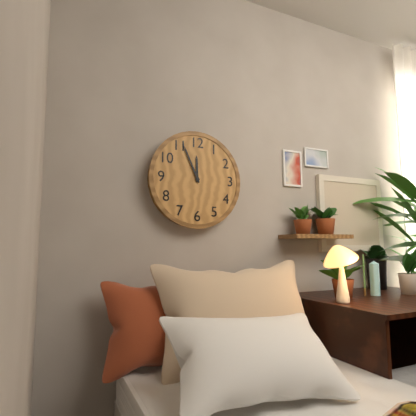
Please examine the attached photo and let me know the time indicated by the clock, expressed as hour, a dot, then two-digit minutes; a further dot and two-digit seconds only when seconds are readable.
11.56
